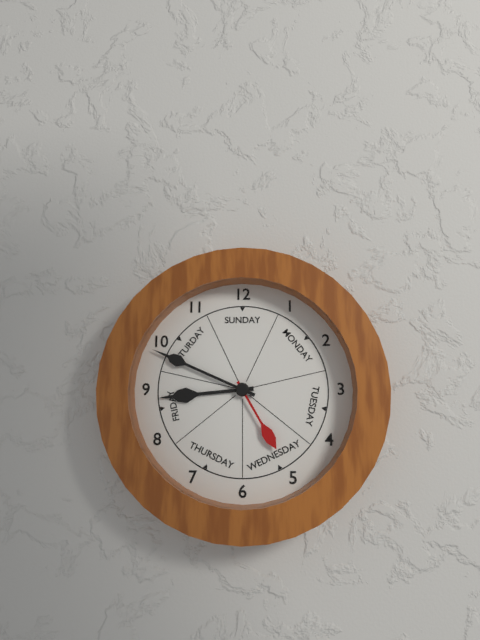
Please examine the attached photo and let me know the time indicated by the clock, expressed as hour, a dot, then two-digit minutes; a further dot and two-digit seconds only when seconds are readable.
8.49.25
